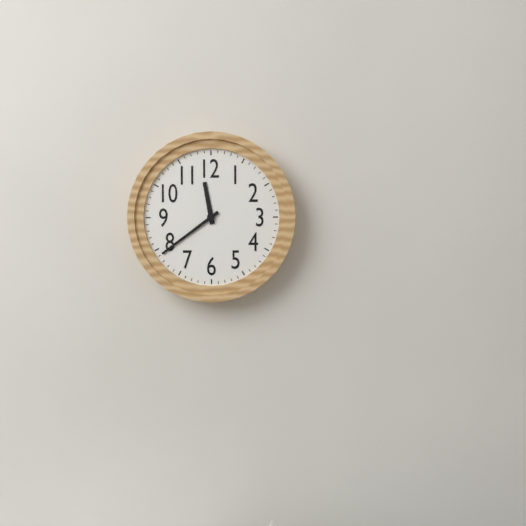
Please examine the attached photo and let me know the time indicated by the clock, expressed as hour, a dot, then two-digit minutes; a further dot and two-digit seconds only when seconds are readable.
11.39
